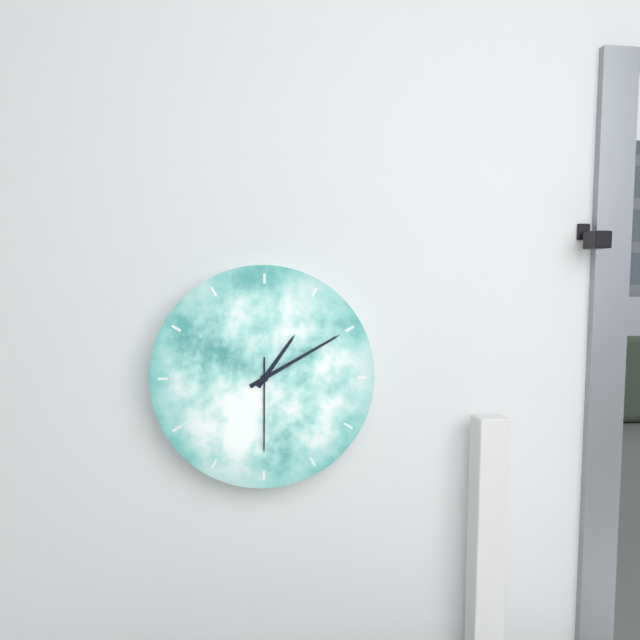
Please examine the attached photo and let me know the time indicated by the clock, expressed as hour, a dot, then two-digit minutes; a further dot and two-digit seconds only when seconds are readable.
1.10.30
